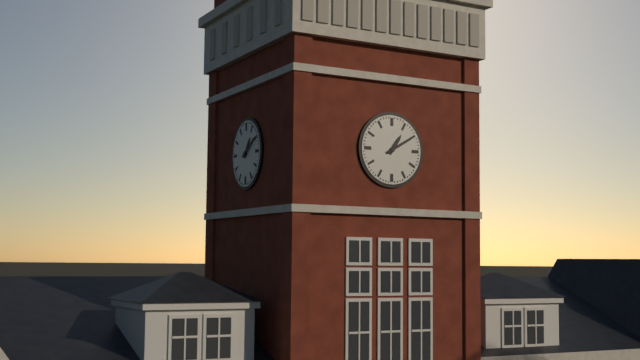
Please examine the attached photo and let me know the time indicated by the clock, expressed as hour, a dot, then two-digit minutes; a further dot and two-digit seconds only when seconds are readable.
1.10
